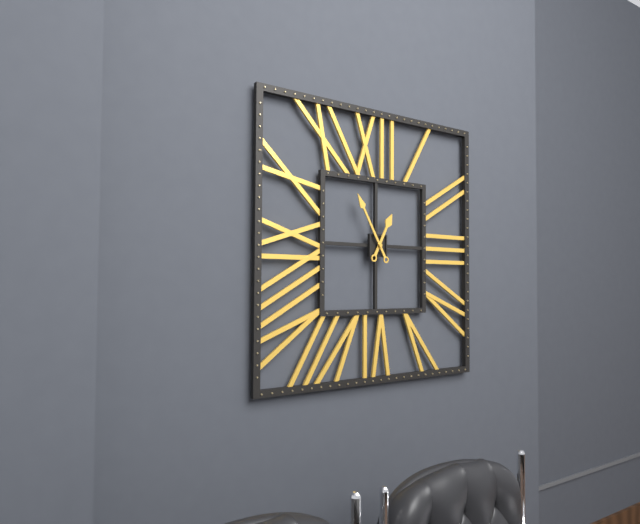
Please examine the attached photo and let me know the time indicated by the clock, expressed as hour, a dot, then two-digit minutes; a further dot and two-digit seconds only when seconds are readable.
12.55
